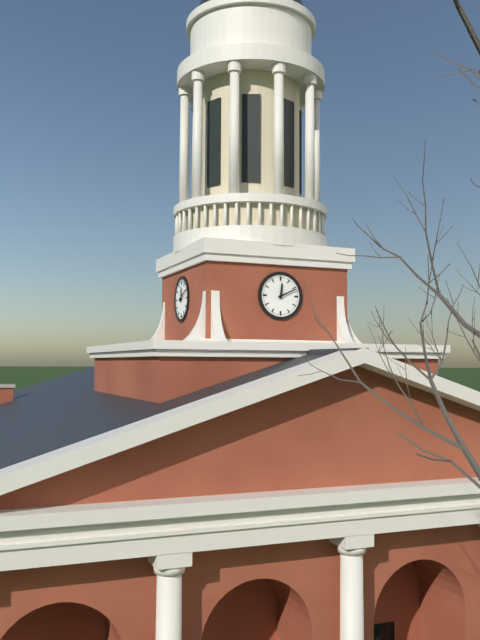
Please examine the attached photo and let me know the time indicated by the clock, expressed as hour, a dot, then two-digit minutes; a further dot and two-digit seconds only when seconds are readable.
12.11
